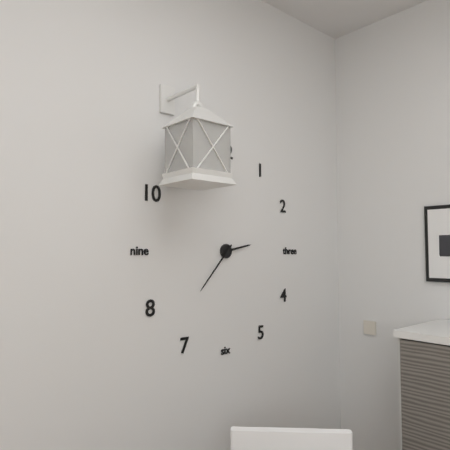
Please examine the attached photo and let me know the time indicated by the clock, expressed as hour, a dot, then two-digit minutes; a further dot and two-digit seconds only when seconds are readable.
2.37
